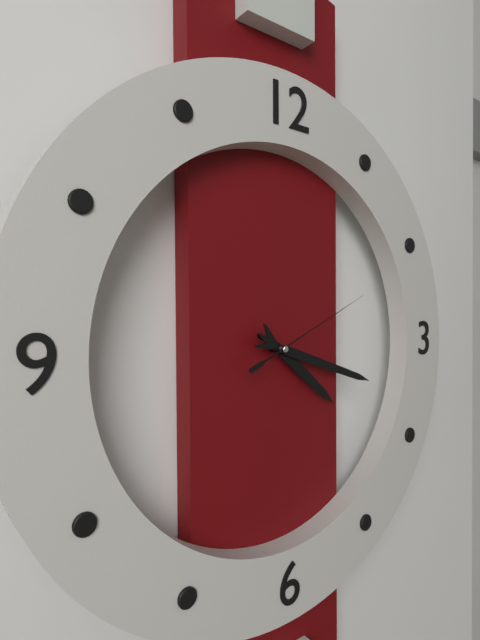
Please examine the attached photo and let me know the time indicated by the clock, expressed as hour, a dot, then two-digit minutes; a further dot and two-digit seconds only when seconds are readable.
4.18.11
